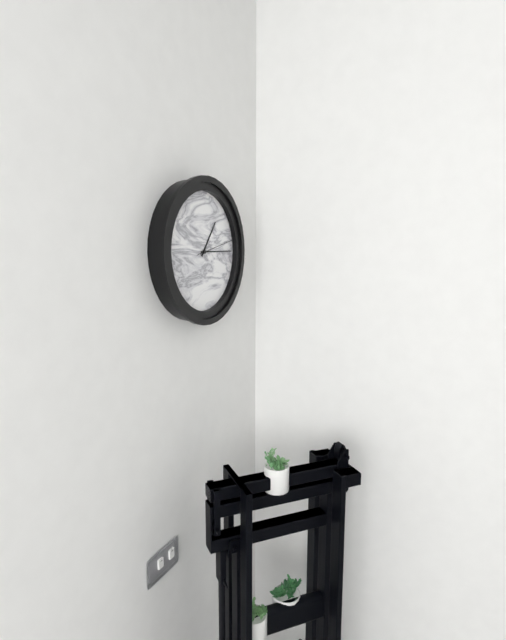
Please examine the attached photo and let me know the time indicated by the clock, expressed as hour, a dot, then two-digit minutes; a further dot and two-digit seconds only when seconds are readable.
1.15
